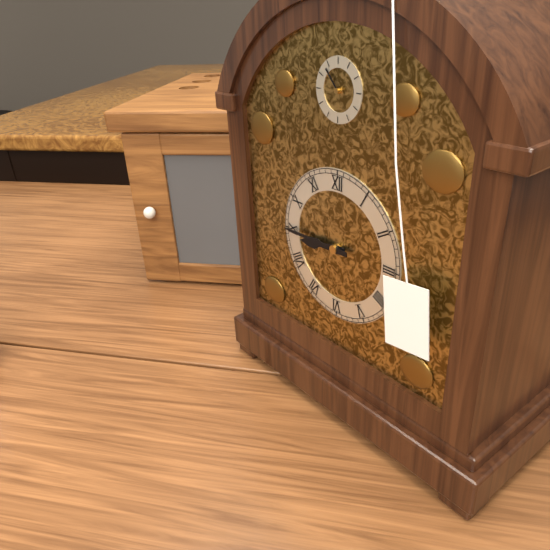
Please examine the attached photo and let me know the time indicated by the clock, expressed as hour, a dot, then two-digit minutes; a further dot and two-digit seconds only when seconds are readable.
8.45
